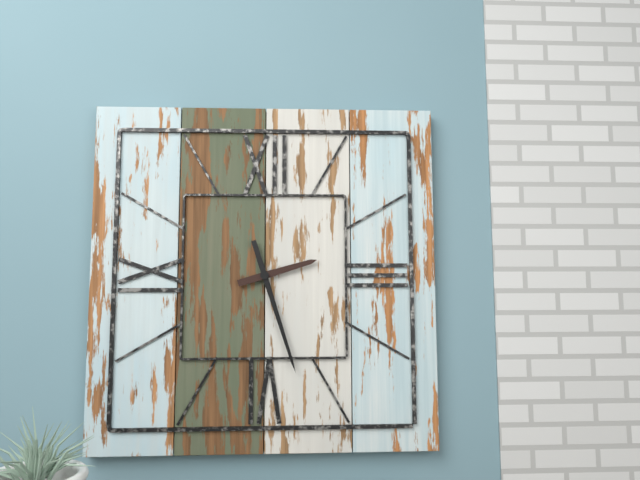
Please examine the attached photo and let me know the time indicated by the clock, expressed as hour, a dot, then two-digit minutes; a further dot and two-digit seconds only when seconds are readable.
2.27
